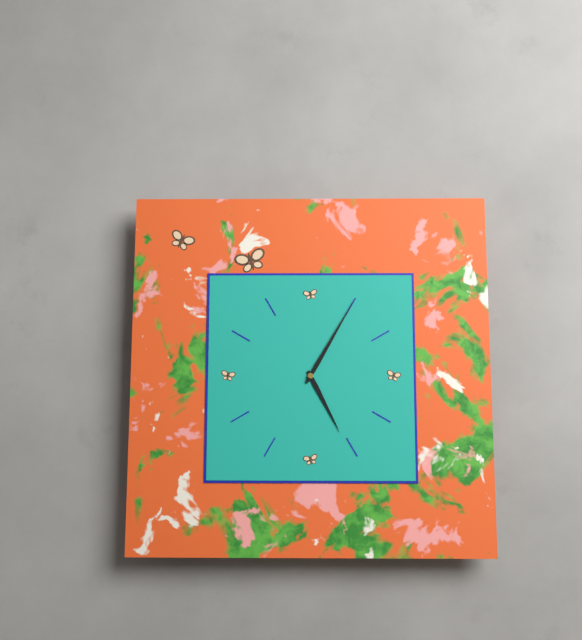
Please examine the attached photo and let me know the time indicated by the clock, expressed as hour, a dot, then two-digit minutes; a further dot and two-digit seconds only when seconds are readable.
5.05
